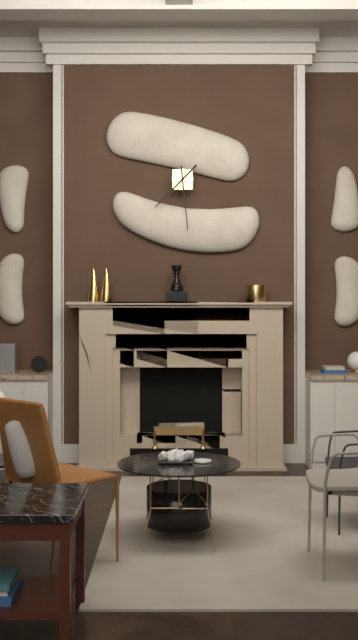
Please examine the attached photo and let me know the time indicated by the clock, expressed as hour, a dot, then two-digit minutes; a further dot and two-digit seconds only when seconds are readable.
7.29
